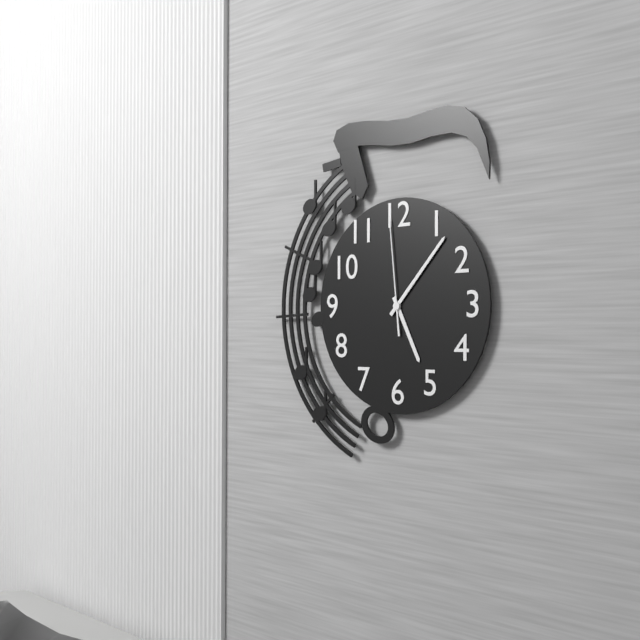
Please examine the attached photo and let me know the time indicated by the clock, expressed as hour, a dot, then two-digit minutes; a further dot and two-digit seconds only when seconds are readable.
5.07.59
